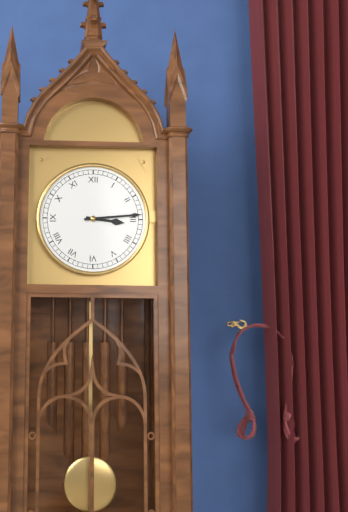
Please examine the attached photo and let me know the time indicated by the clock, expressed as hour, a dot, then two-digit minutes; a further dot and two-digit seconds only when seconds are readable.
3.14
